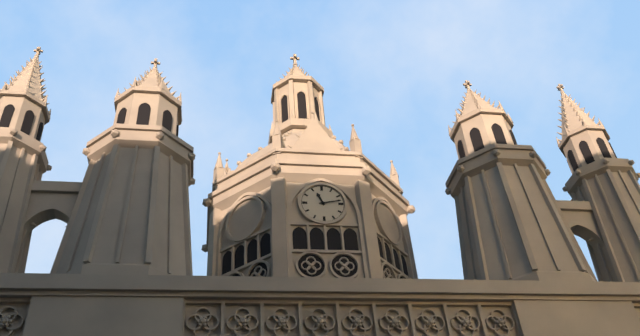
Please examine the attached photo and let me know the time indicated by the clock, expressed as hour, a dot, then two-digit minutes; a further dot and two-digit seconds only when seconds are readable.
11.13
